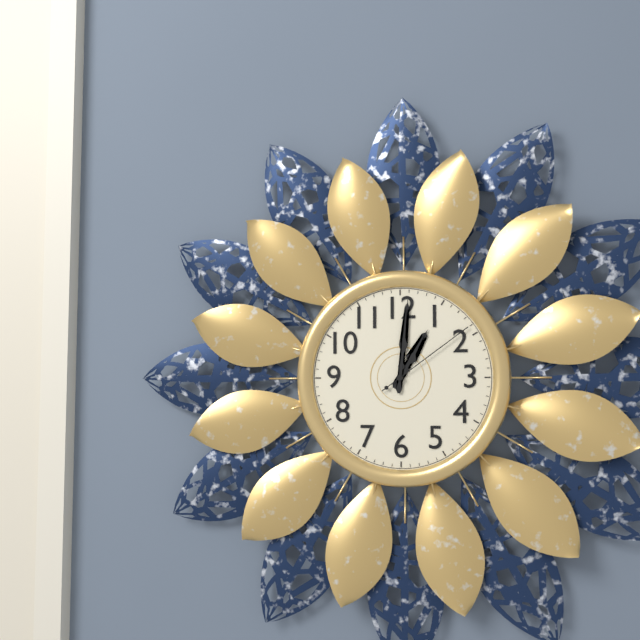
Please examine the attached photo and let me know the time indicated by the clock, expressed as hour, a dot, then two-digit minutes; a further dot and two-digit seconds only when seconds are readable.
1.01.09
